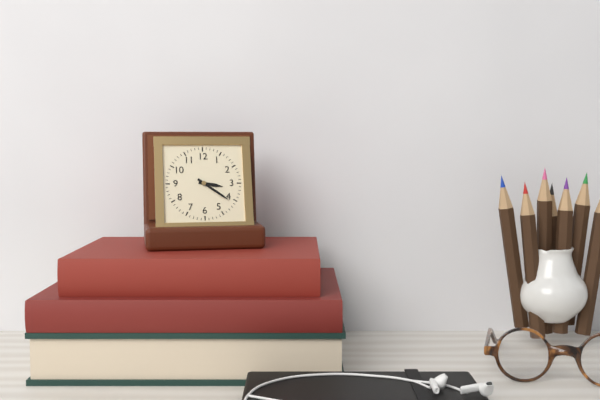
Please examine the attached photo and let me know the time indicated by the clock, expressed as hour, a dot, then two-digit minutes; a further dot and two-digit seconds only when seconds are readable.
3.21
